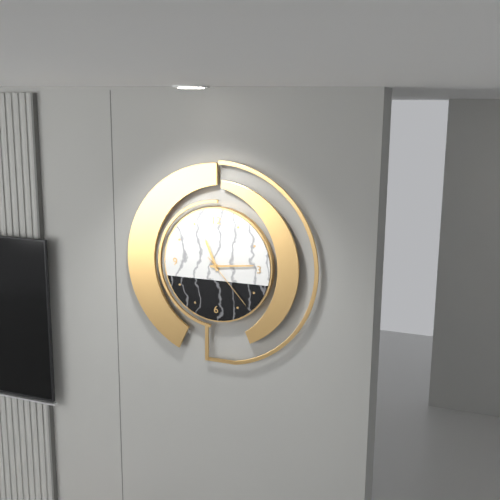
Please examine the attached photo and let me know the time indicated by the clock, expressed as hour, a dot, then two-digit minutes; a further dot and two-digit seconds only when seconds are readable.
11.14.23
